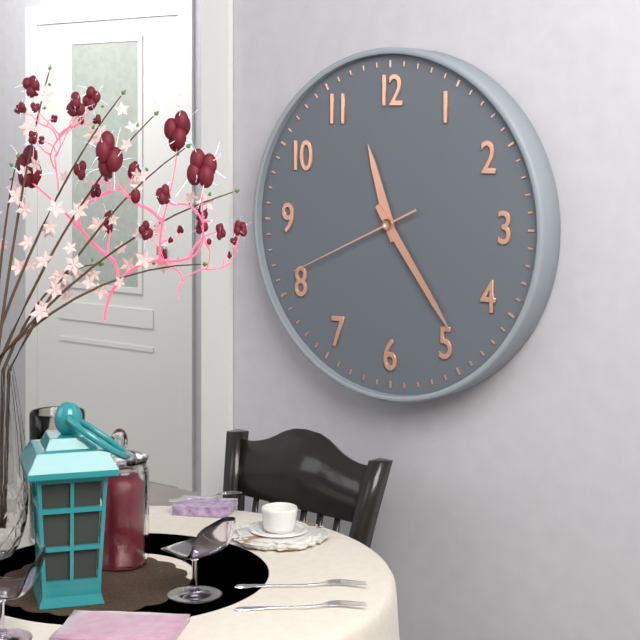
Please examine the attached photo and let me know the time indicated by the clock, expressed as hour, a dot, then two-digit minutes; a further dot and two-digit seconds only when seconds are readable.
11.24.41
